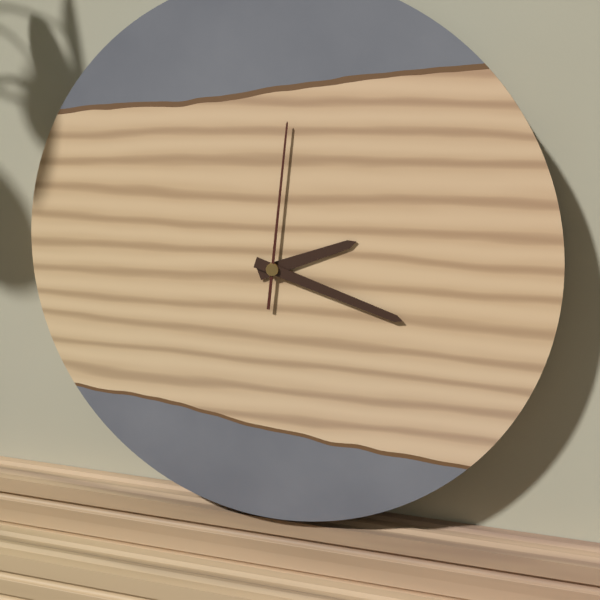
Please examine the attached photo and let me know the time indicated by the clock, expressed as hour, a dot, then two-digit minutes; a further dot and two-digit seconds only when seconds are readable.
2.18.01
